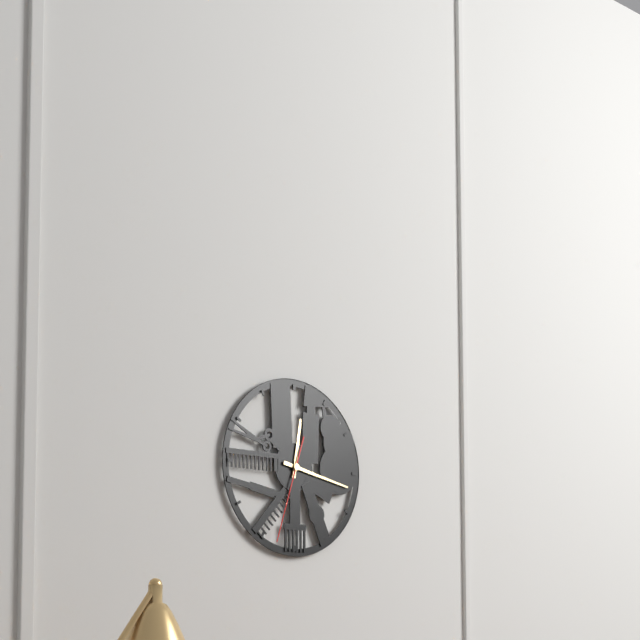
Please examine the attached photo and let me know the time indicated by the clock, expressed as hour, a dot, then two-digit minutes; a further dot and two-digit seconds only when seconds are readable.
12.17.33
